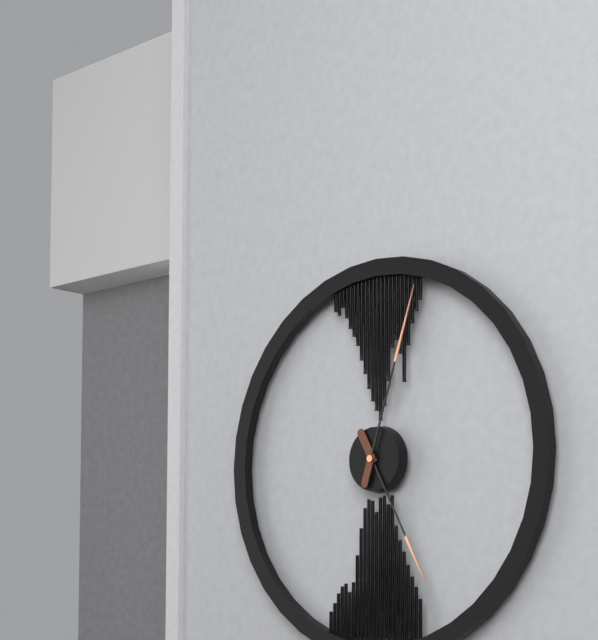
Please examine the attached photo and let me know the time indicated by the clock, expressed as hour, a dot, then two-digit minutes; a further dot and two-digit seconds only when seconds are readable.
5.03
